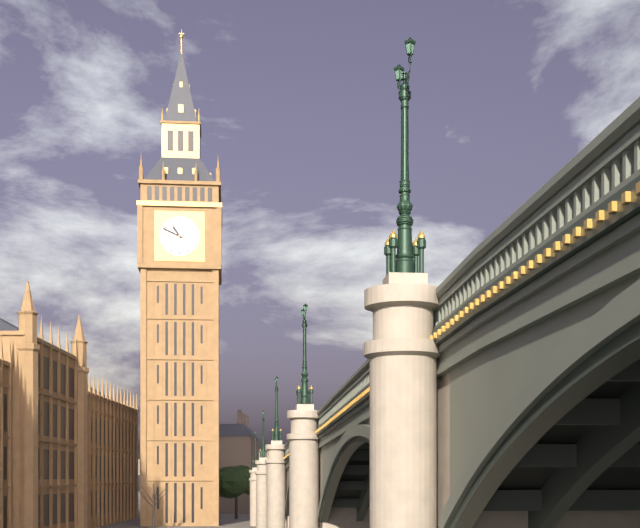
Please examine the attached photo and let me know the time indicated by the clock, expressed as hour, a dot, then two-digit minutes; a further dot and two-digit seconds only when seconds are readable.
10.49
